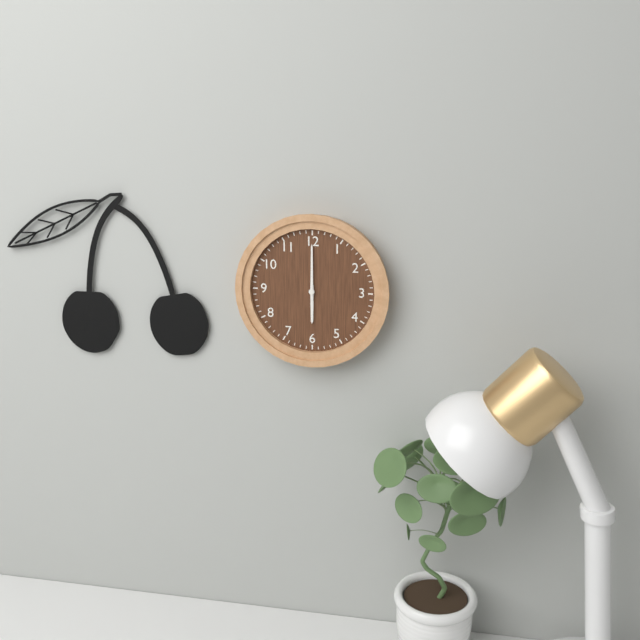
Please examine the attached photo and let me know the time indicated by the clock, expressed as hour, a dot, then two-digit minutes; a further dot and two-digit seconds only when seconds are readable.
6.00
